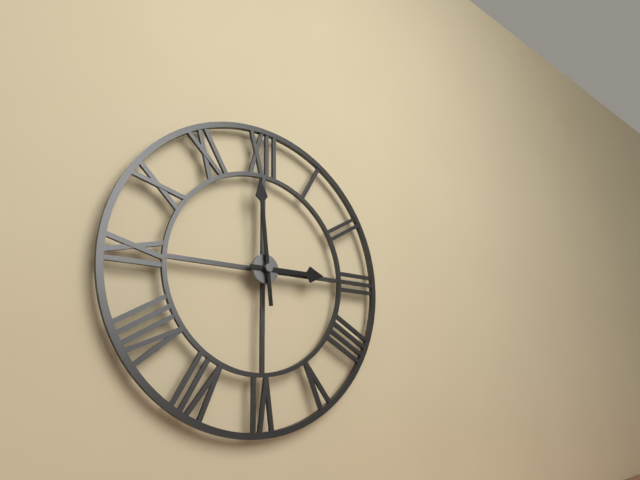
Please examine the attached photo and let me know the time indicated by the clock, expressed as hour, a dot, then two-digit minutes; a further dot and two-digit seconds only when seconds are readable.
2.59
